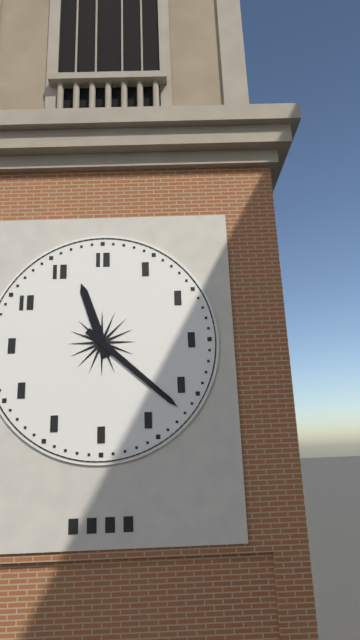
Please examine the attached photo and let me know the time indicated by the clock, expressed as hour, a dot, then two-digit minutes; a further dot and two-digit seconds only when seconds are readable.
11.22
